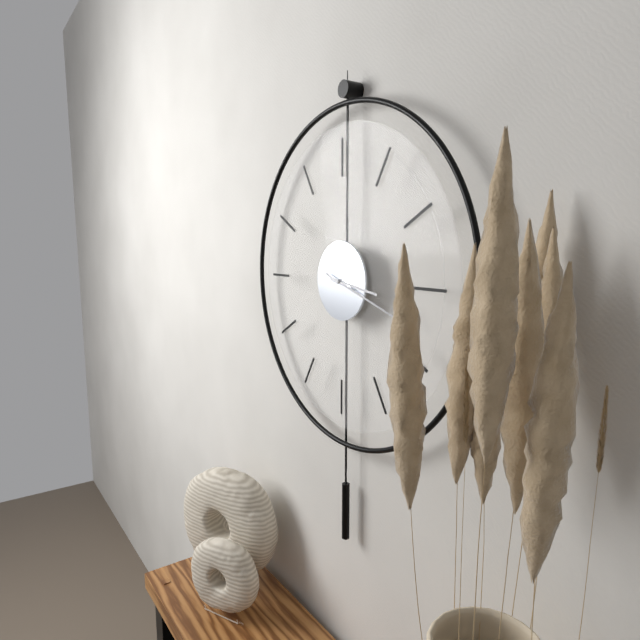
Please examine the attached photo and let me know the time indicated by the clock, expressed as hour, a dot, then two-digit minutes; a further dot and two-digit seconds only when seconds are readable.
3.18
